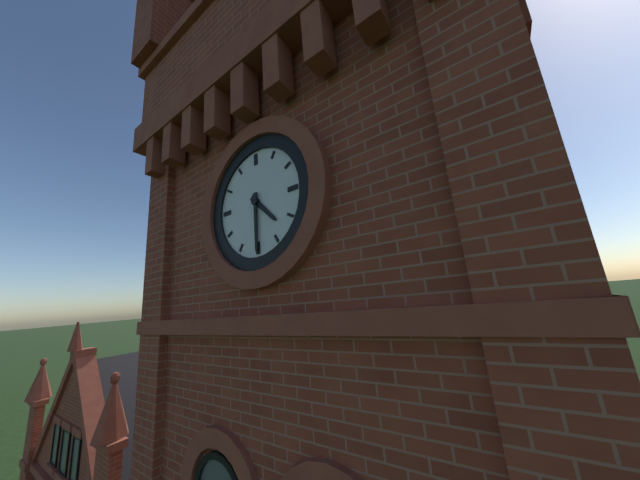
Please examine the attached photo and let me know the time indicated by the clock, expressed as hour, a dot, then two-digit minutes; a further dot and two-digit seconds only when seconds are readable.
4.30
